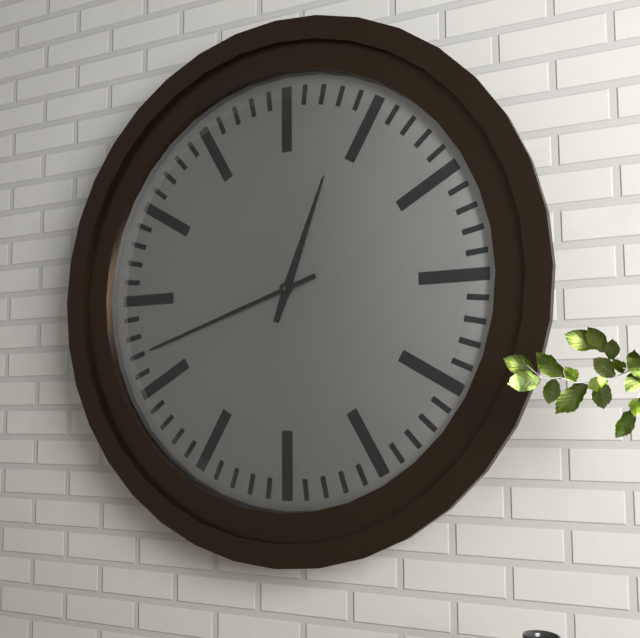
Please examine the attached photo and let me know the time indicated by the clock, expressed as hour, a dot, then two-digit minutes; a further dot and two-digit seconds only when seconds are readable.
12.42
